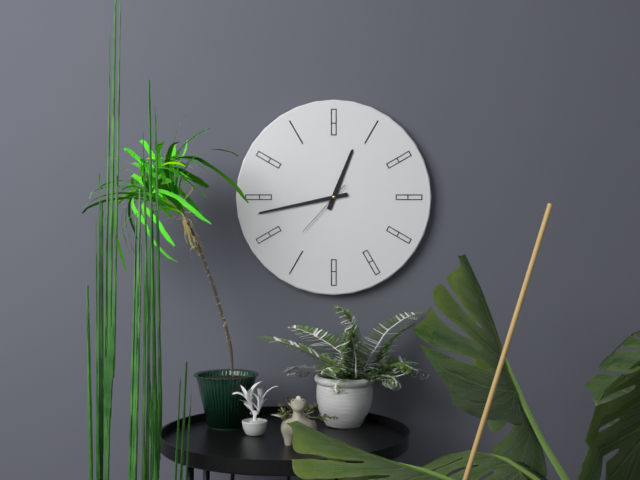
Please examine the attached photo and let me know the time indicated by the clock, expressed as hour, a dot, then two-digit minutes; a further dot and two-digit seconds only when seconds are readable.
12.43.37
